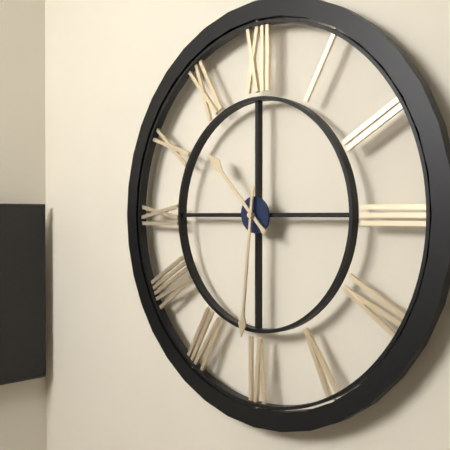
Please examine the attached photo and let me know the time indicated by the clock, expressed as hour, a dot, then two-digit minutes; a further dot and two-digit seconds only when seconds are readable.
10.31
